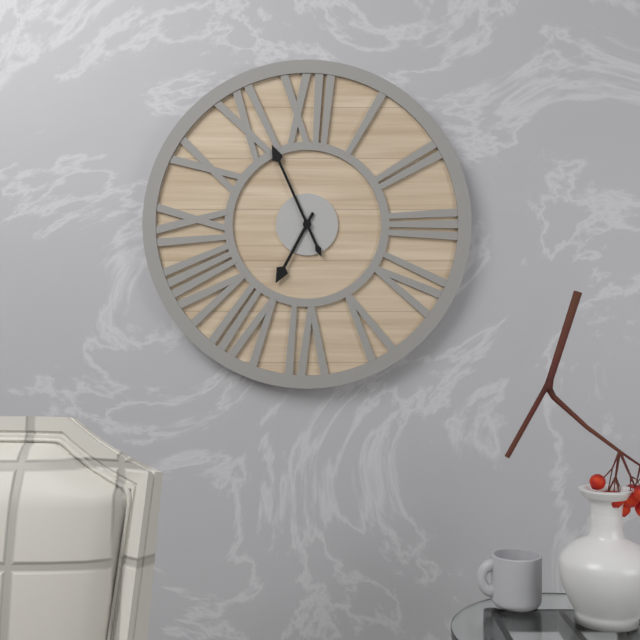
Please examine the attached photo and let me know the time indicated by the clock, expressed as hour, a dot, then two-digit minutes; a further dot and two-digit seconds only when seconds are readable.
6.56
